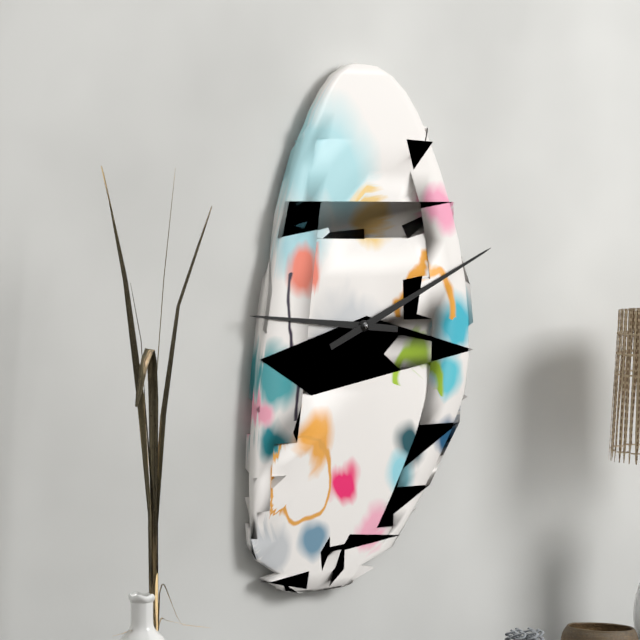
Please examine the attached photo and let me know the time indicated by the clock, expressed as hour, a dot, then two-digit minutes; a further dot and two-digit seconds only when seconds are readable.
9.11
